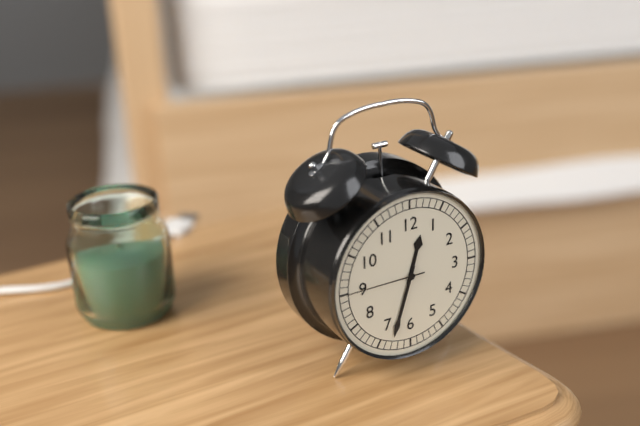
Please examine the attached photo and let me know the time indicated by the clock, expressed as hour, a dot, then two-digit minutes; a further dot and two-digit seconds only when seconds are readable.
12.33.45
